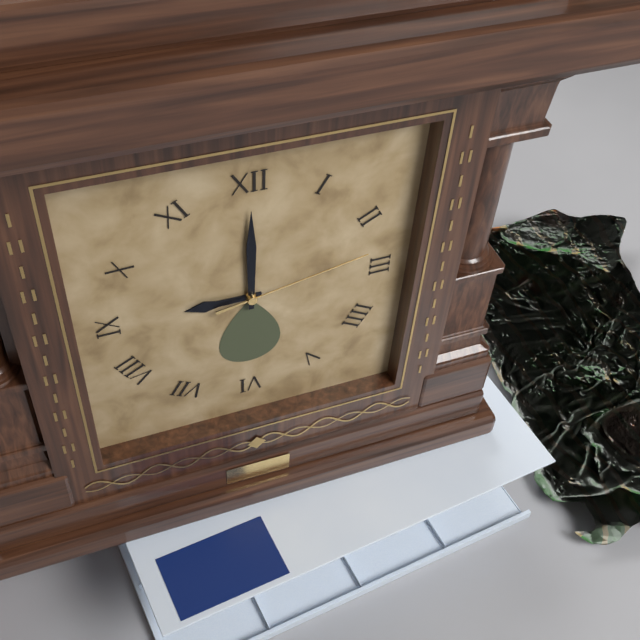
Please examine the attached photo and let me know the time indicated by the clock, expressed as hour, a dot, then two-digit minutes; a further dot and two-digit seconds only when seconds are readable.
9.00.13
